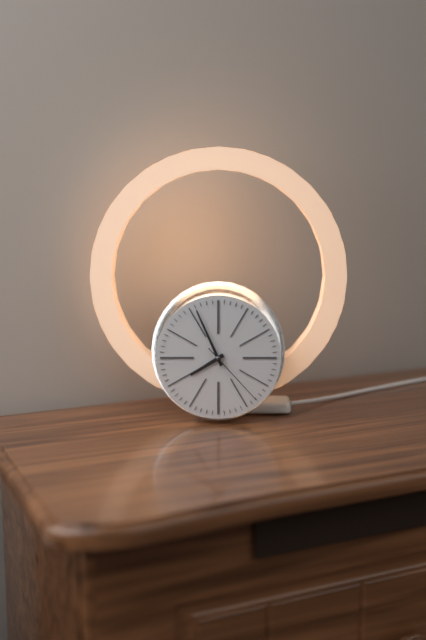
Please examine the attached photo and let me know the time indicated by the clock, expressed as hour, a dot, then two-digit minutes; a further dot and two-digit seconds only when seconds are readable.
7.56.23
